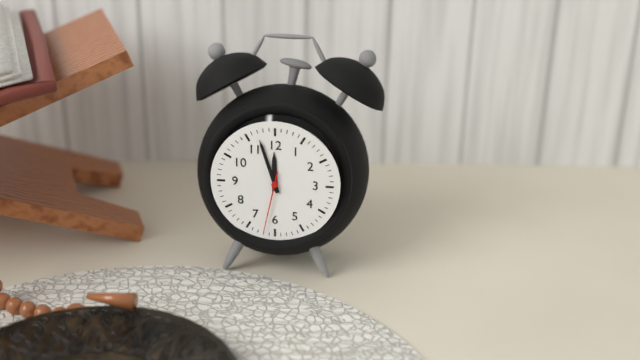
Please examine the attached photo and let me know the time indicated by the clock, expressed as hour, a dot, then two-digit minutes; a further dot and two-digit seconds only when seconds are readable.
11.57.32
